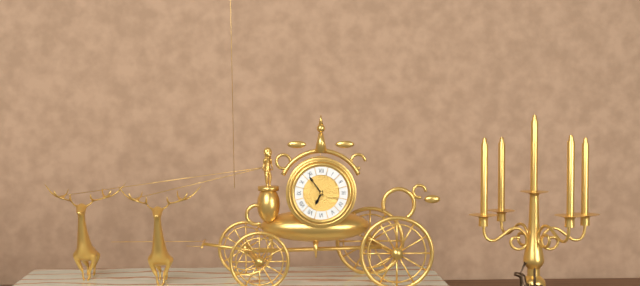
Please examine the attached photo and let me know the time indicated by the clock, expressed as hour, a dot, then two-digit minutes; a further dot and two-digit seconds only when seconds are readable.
6.54
